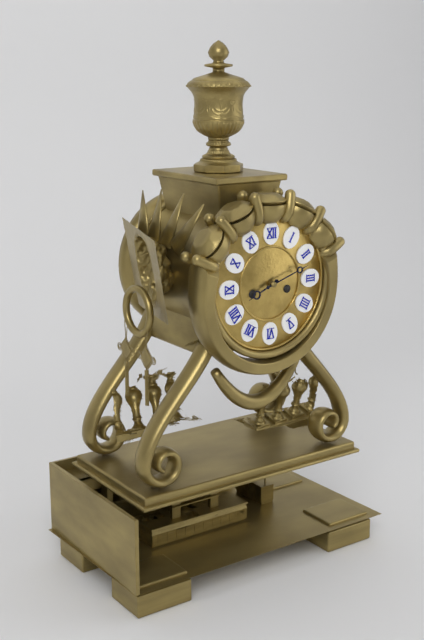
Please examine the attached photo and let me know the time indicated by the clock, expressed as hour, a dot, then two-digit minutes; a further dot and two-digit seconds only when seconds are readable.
8.12
